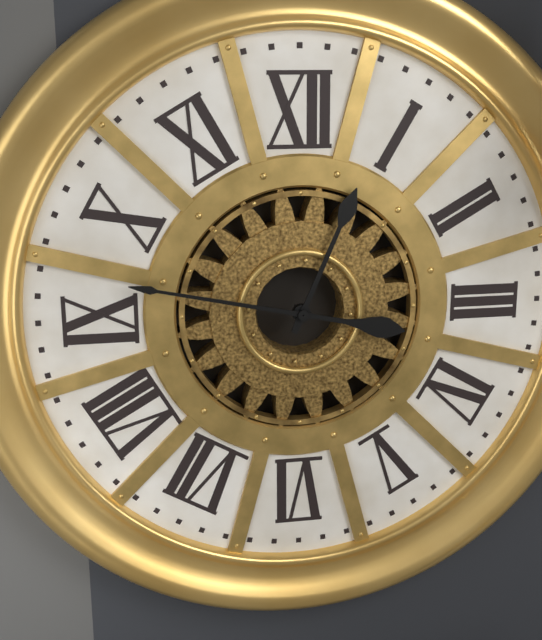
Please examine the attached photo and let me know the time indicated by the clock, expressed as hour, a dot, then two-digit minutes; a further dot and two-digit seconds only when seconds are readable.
12.47
